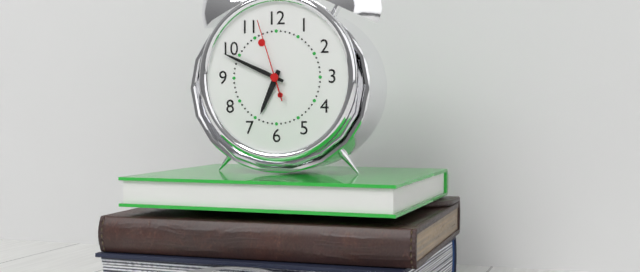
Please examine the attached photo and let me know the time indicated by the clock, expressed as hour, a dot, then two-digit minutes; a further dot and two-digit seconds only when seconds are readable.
6.49.57
